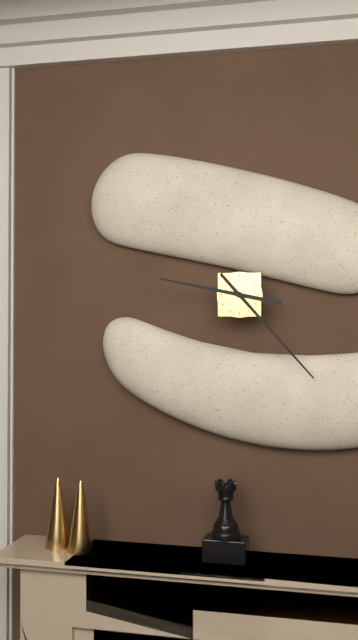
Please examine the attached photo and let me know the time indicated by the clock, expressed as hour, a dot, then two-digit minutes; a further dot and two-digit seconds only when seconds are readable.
9.23
